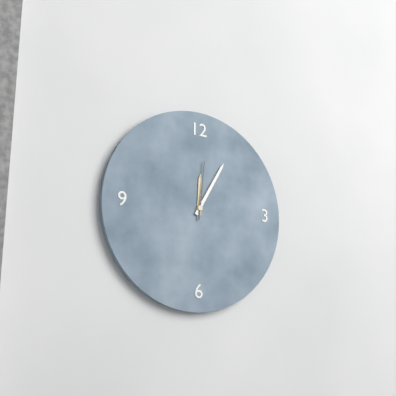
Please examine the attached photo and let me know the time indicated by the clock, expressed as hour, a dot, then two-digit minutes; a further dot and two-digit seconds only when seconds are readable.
12.05.01
